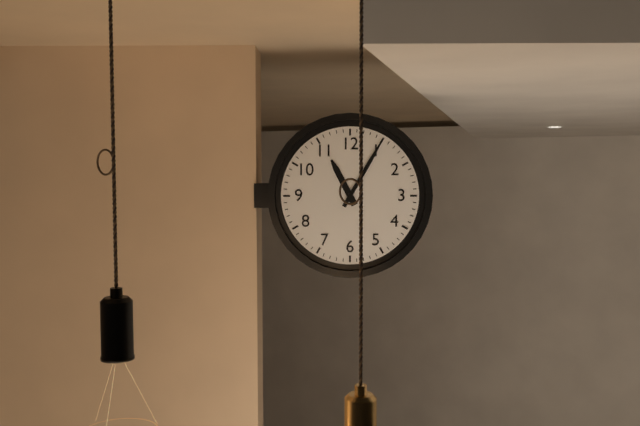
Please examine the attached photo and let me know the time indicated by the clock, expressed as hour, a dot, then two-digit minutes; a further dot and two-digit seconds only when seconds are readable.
11.05
